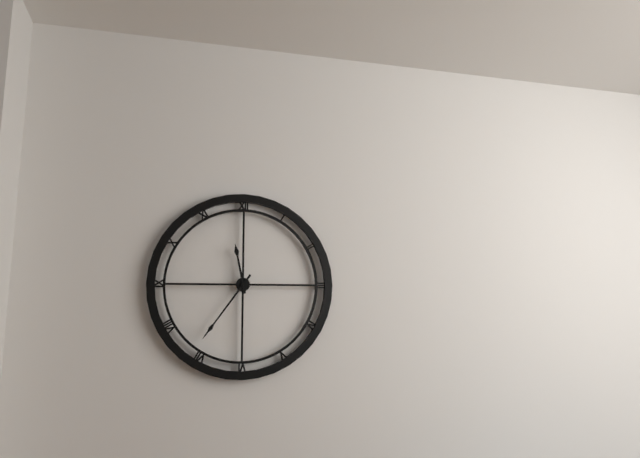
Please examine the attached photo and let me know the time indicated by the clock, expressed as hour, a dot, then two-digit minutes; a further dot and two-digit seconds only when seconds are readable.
11.36
